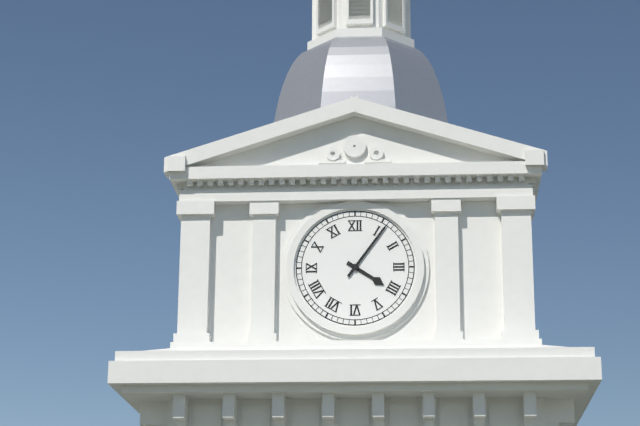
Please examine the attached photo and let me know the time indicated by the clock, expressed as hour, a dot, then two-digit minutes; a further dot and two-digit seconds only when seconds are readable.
4.06
